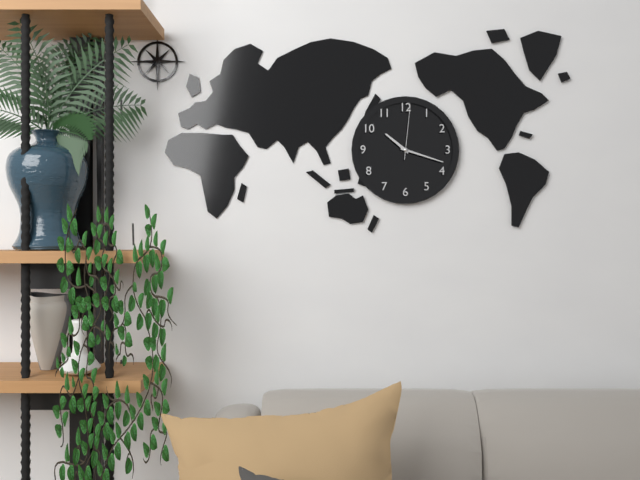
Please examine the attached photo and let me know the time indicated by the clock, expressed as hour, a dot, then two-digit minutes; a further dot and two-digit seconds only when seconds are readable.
10.18.01
